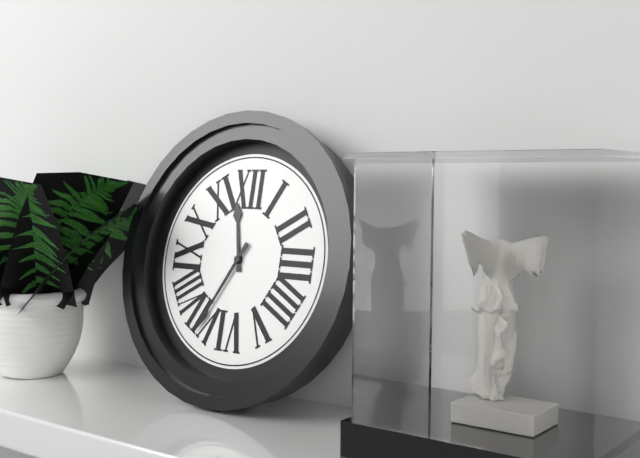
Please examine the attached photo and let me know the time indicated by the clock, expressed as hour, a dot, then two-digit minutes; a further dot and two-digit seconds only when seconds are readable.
11.35
